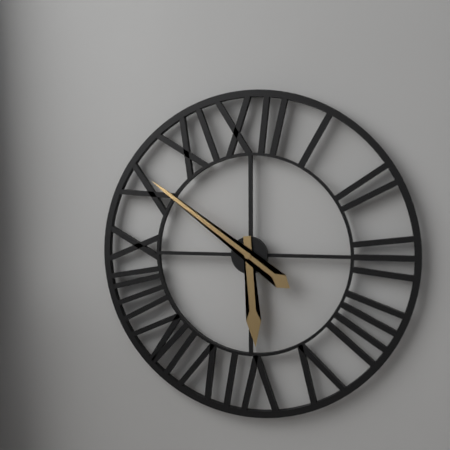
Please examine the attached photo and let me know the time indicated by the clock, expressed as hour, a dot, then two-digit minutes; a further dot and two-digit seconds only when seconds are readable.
5.51
